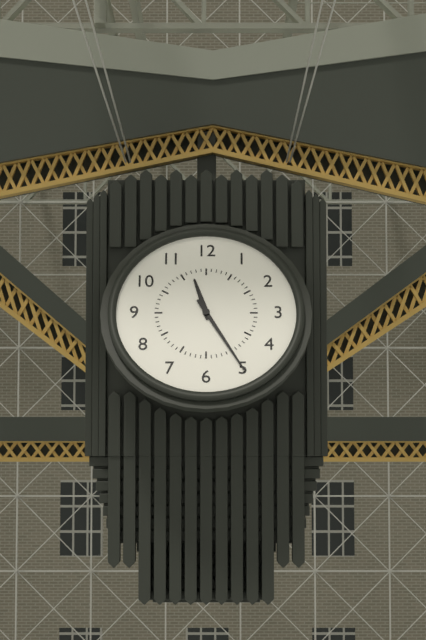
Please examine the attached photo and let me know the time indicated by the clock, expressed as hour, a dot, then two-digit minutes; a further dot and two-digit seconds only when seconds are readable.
11.25
